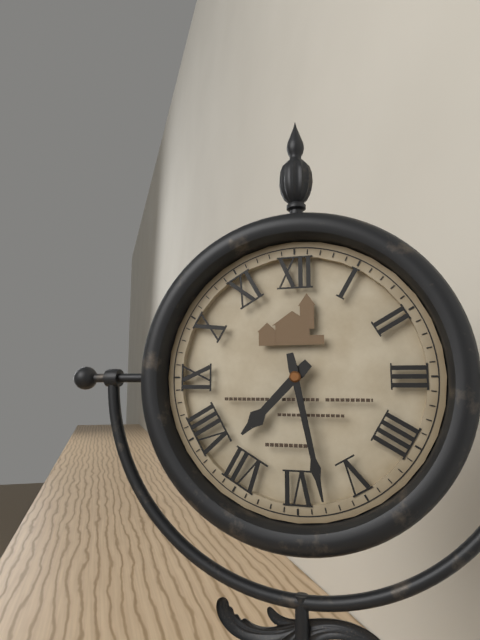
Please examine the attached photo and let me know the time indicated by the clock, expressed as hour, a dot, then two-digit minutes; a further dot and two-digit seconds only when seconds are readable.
7.28
